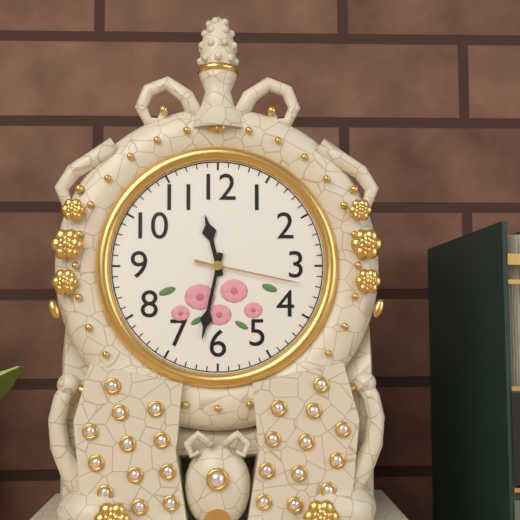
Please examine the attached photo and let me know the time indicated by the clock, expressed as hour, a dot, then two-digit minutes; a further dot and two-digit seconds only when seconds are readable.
11.32.17
